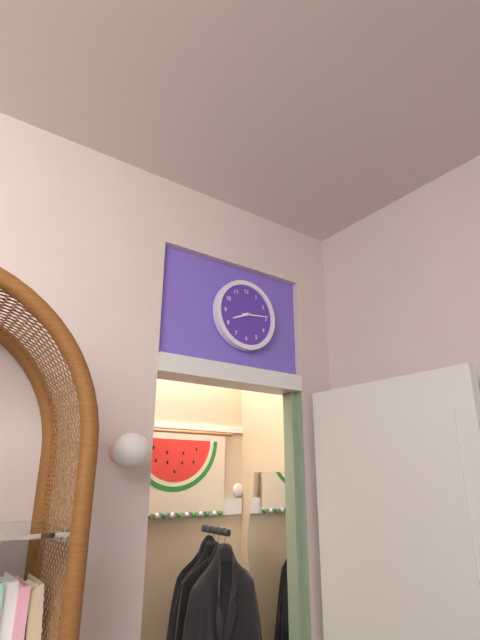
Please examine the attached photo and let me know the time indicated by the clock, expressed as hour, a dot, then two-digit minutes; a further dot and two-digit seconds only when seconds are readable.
8.14
